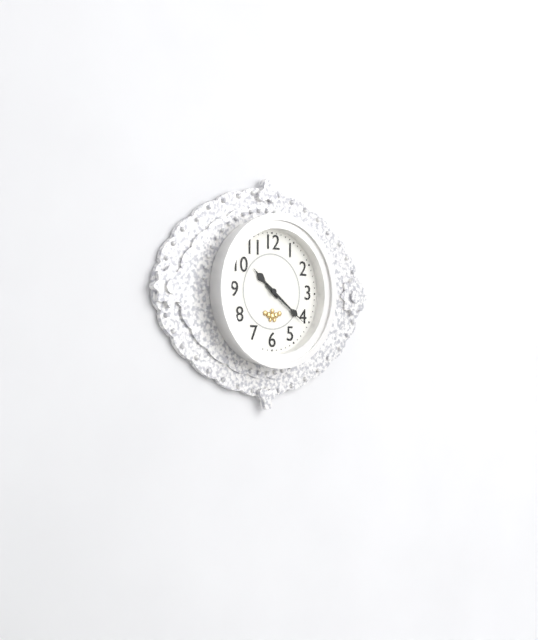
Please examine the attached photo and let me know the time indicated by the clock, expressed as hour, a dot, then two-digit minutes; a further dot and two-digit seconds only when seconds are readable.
10.21
